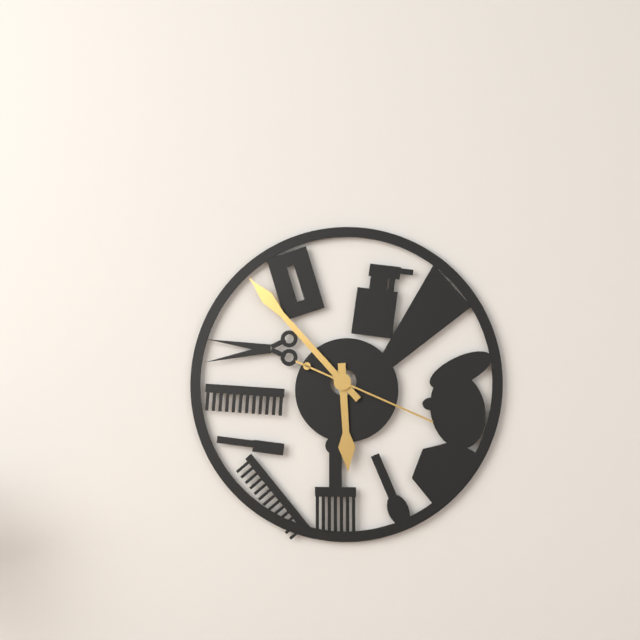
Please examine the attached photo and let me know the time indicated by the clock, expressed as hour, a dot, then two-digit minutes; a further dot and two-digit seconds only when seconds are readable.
5.53.19
